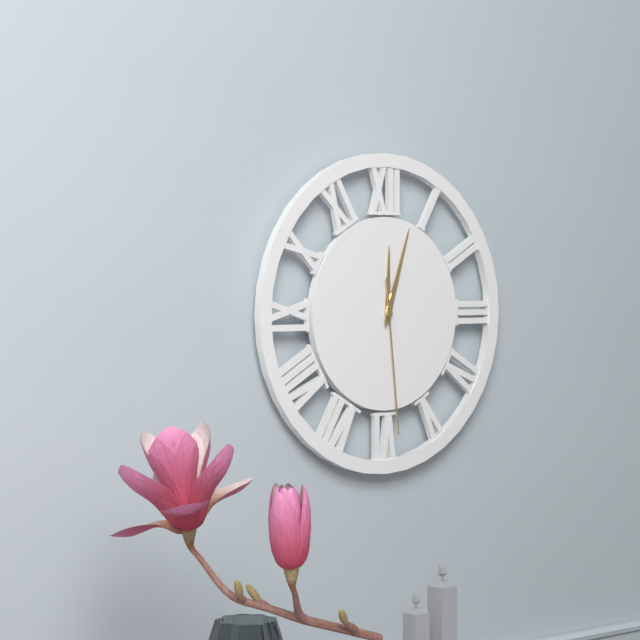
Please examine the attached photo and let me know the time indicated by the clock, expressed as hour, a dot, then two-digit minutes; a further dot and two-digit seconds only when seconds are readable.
12.03.29
